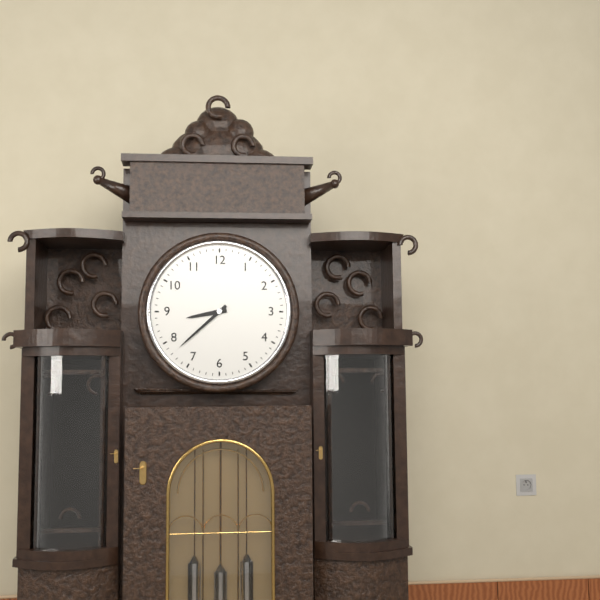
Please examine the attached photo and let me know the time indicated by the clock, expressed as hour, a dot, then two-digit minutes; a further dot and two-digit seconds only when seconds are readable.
8.38
